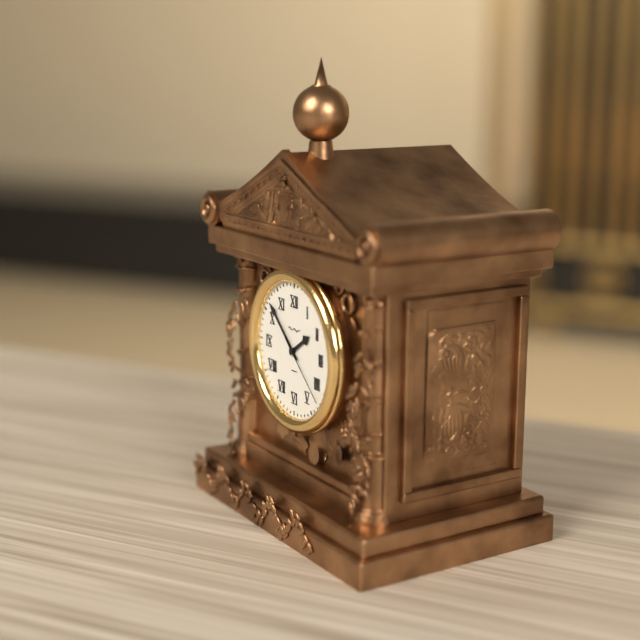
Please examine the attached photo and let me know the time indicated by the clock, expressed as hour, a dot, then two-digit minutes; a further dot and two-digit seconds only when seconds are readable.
1.52.22
